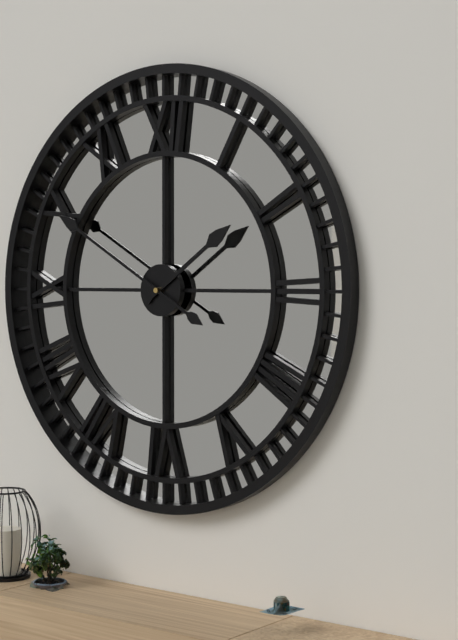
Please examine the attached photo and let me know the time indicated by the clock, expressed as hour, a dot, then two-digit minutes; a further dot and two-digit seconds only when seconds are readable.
1.50
